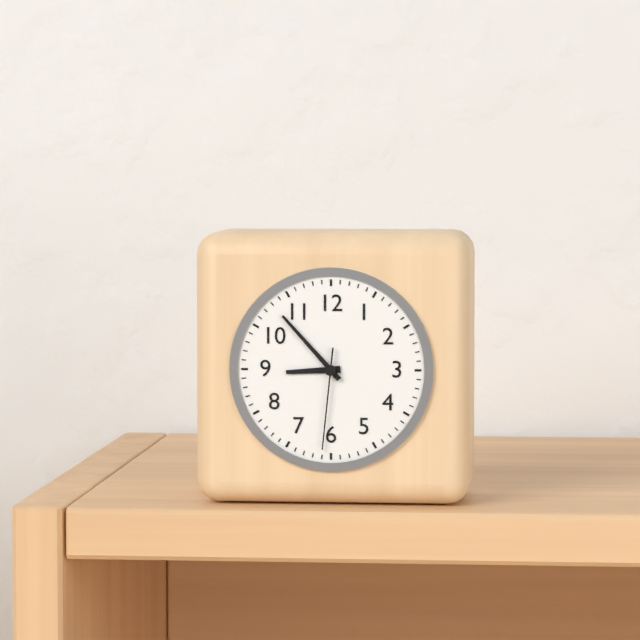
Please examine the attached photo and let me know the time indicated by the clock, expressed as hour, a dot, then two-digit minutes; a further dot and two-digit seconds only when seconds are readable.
8.53.31
